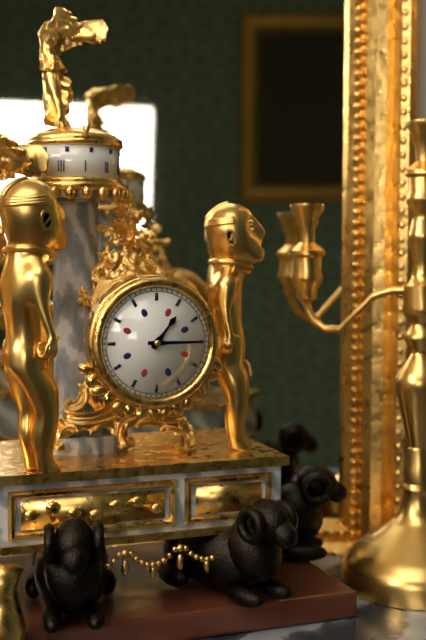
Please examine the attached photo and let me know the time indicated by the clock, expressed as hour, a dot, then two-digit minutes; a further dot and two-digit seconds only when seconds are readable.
1.15
